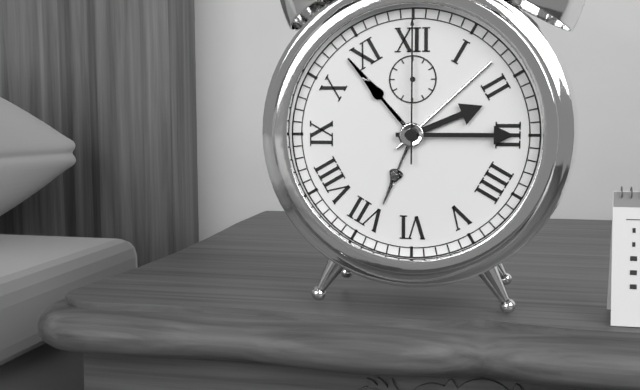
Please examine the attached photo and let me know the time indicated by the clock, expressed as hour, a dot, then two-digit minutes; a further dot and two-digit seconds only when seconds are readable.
2.15.00
